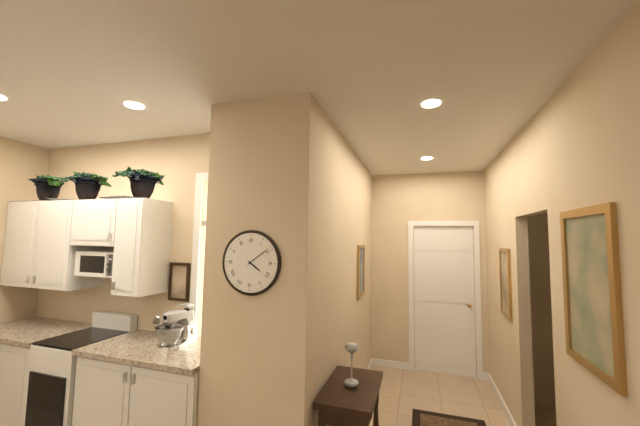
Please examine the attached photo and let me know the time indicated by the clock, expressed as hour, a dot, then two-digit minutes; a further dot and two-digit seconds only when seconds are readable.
4.09
